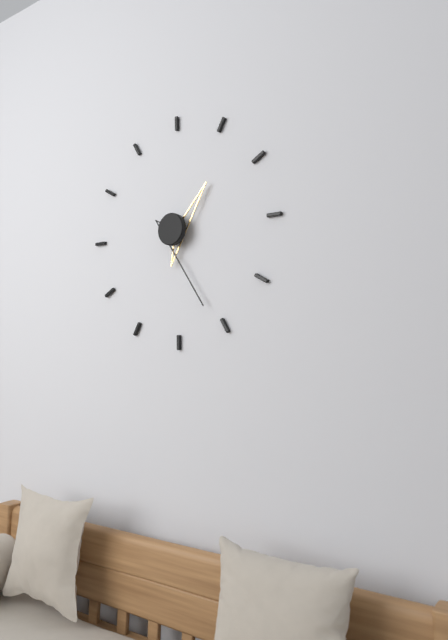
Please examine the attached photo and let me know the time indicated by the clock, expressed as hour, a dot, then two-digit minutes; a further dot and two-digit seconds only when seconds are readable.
1.26
